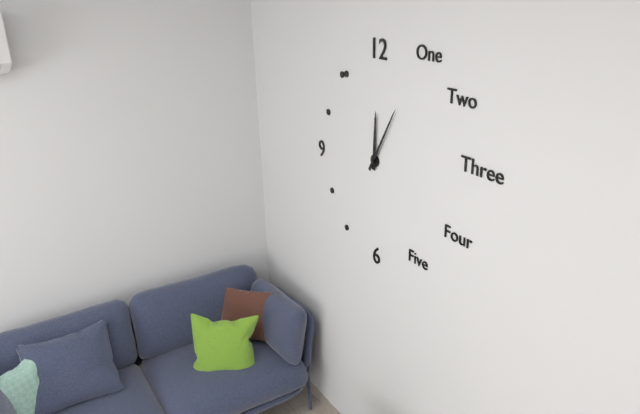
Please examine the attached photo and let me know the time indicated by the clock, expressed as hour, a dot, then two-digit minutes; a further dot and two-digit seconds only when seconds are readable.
12.05
